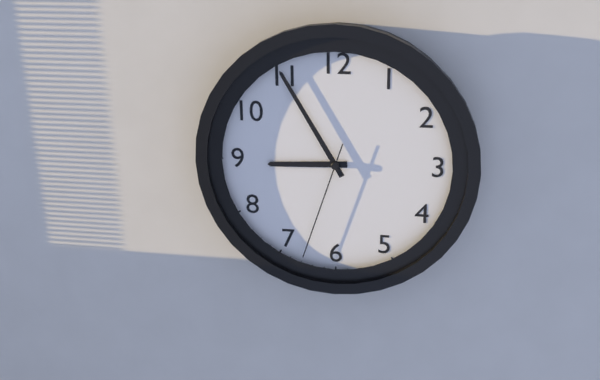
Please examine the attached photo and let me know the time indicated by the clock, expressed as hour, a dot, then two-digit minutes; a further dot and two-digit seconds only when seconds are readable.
8.55.33
